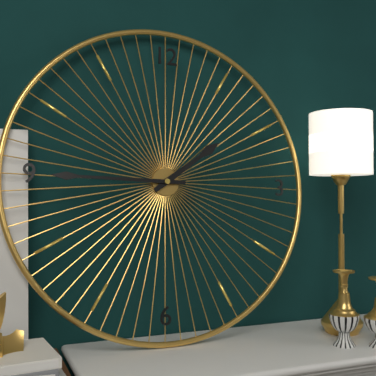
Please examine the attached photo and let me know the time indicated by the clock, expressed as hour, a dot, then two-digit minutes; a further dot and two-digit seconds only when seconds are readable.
1.45
